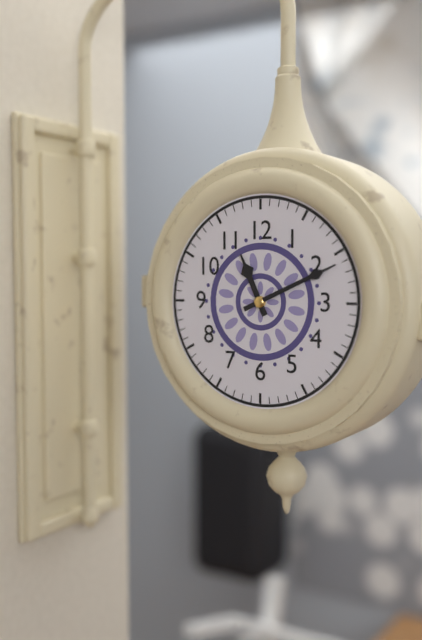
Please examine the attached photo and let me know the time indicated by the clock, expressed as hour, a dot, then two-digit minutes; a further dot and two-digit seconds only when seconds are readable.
11.11
